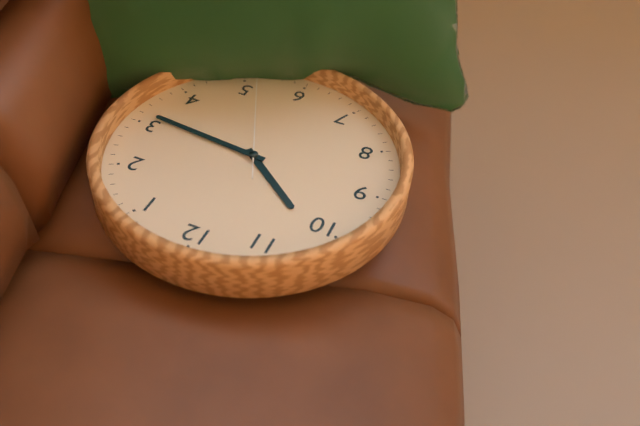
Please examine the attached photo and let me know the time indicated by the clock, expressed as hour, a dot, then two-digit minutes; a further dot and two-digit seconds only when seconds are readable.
10.16.26
